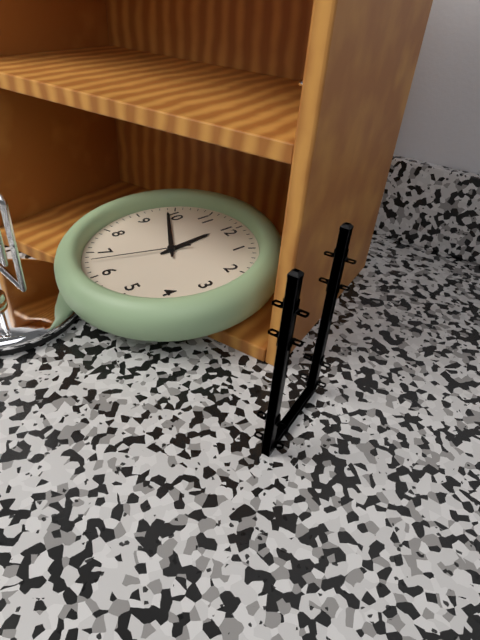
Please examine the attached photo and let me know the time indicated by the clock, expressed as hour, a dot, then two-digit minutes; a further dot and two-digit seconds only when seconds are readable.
11.49.33
